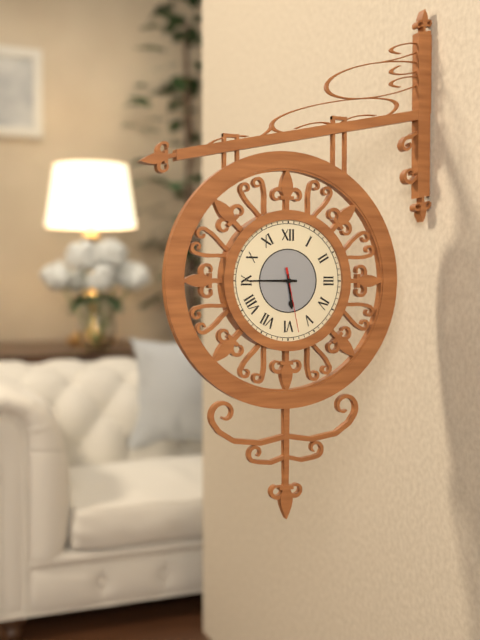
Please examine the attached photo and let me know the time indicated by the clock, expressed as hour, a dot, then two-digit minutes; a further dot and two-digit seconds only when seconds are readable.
5.45.28
